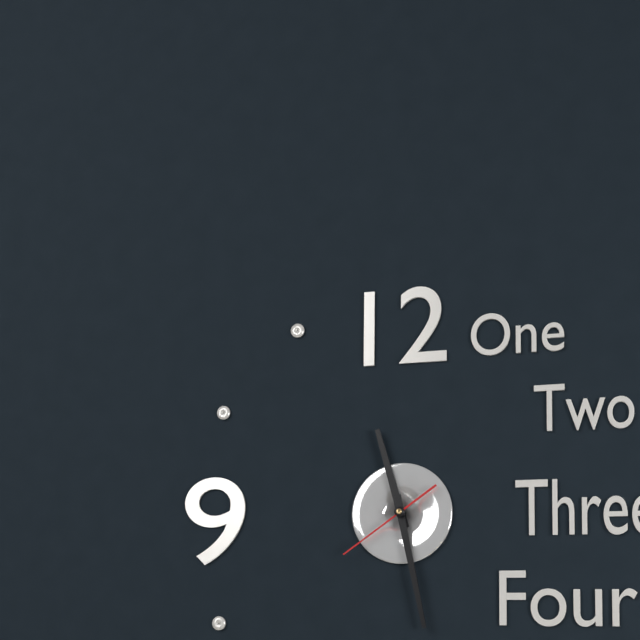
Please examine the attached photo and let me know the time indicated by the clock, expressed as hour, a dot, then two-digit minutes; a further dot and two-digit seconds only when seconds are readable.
11.28.39
